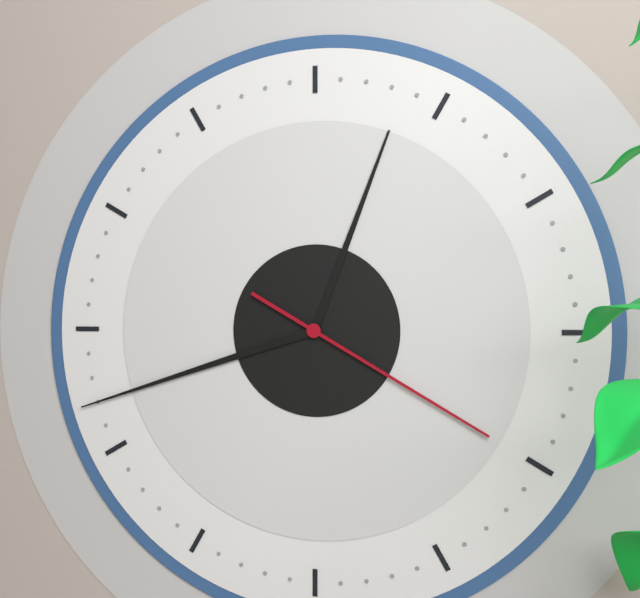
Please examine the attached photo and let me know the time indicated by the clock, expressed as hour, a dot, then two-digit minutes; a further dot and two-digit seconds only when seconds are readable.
12.42.20
